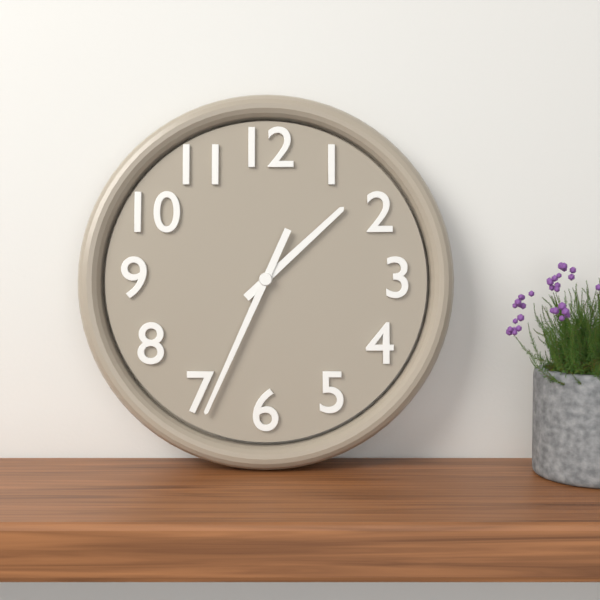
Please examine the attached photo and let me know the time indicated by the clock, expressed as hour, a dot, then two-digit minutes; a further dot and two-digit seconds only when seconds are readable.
1.34
